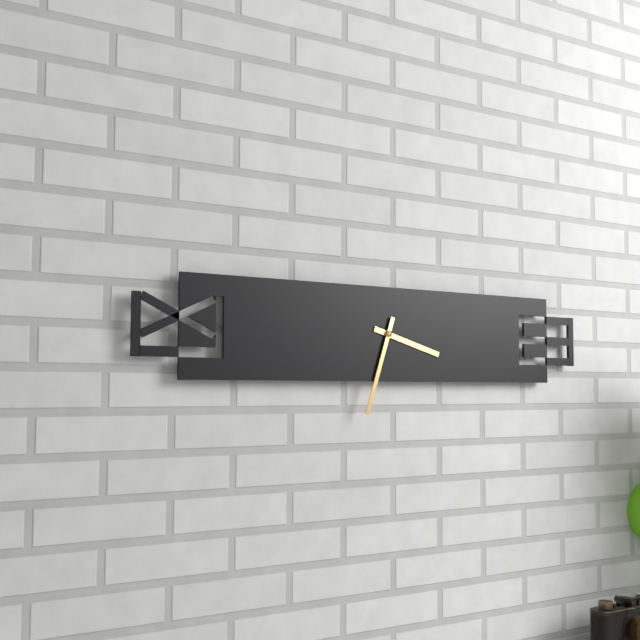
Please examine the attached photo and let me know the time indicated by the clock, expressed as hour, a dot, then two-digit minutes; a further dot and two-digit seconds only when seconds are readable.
3.33
